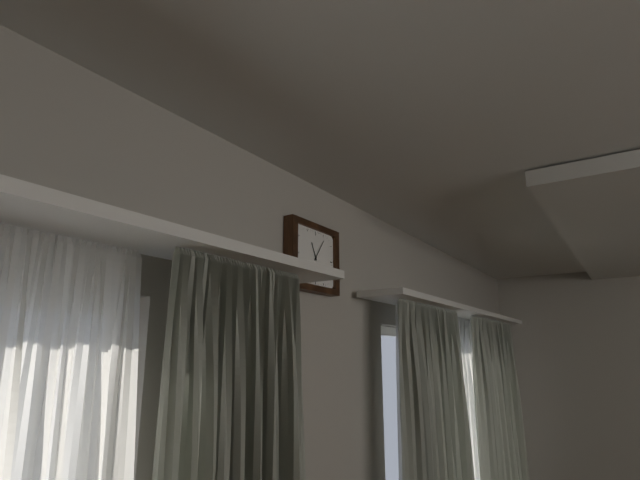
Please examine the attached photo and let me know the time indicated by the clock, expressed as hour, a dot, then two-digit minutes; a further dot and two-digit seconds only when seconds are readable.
11.06
